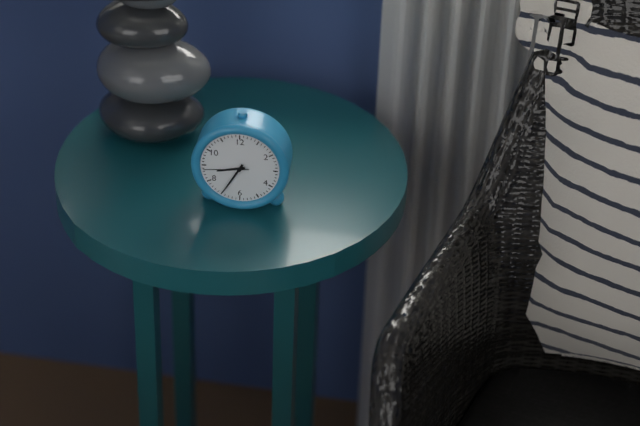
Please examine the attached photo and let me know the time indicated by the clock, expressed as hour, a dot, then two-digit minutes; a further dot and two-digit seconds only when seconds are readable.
8.35
